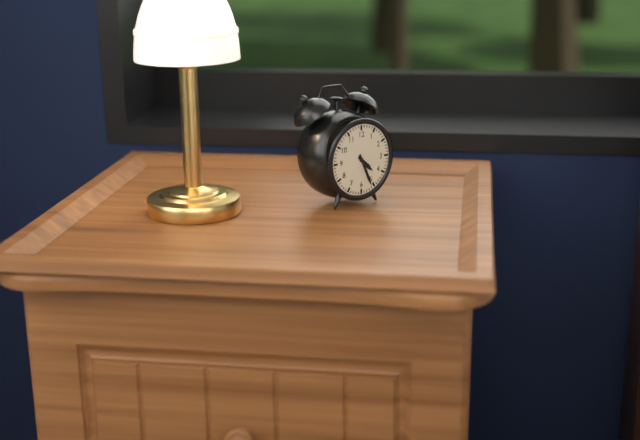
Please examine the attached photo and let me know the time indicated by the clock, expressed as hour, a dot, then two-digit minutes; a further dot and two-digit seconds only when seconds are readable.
4.26
